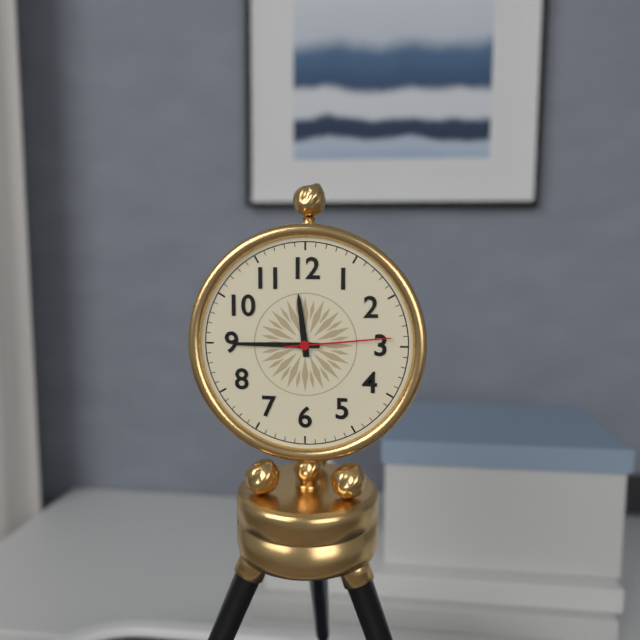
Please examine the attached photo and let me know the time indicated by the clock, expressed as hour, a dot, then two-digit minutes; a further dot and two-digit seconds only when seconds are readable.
11.45.14
